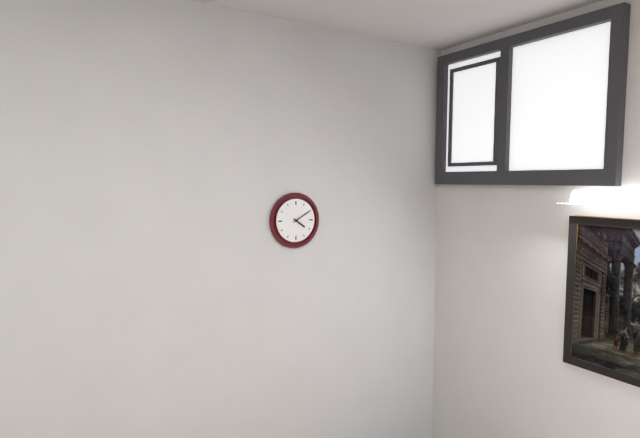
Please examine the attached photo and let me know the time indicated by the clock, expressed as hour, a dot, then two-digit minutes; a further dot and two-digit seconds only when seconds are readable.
4.10
